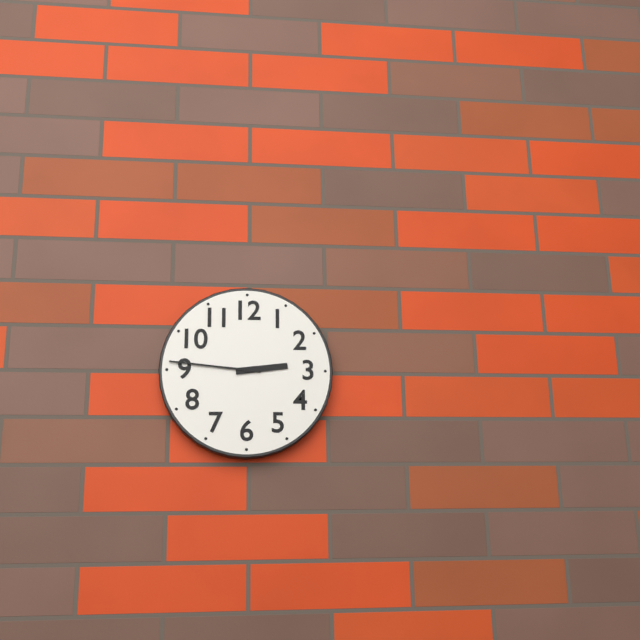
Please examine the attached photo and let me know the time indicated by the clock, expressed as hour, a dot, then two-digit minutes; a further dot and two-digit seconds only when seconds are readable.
2.46
